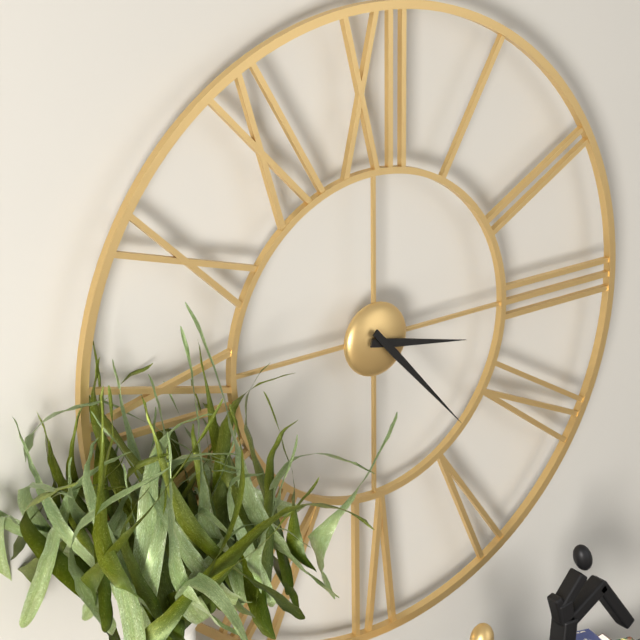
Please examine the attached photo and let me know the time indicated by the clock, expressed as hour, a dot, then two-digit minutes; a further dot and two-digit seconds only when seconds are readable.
3.23
